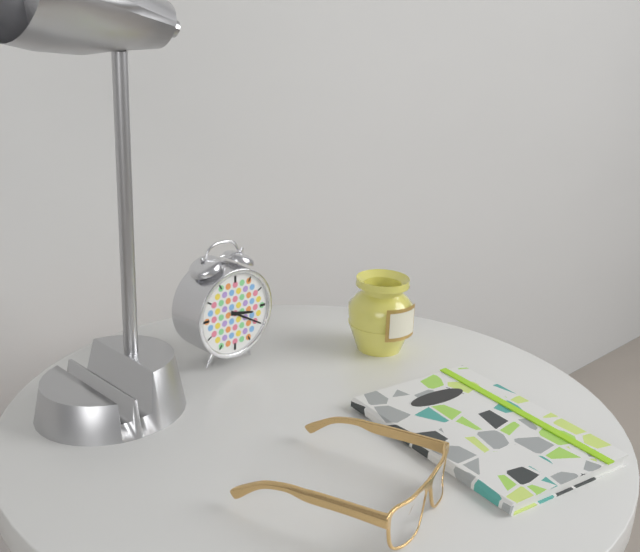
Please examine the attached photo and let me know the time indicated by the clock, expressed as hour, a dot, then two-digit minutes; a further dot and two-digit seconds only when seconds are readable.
3.20
